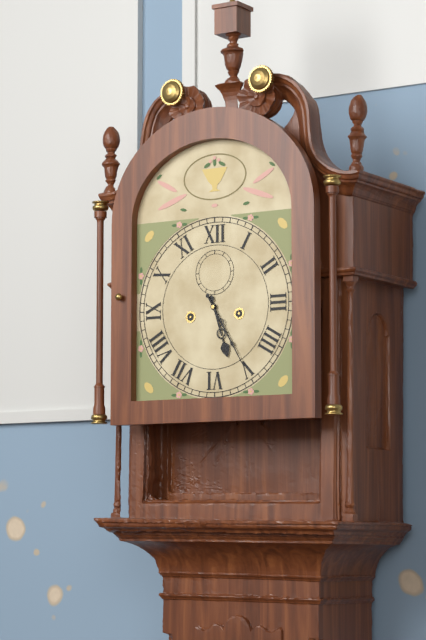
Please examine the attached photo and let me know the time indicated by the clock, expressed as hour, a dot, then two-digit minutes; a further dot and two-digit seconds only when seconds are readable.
5.25
